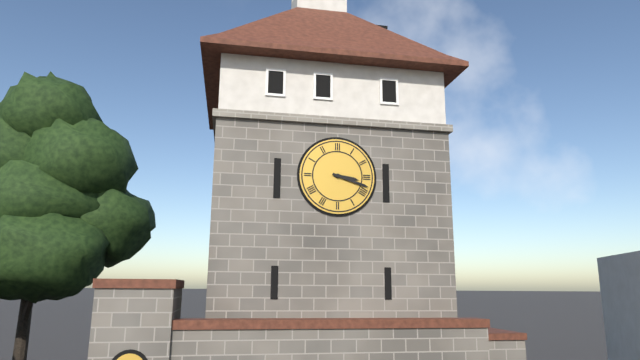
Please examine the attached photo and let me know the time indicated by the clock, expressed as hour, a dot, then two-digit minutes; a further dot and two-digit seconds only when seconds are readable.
3.18
